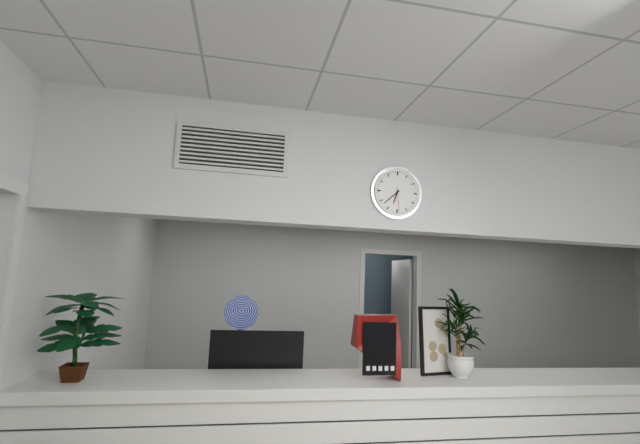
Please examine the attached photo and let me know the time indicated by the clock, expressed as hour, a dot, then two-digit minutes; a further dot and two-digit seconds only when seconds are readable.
6.38
